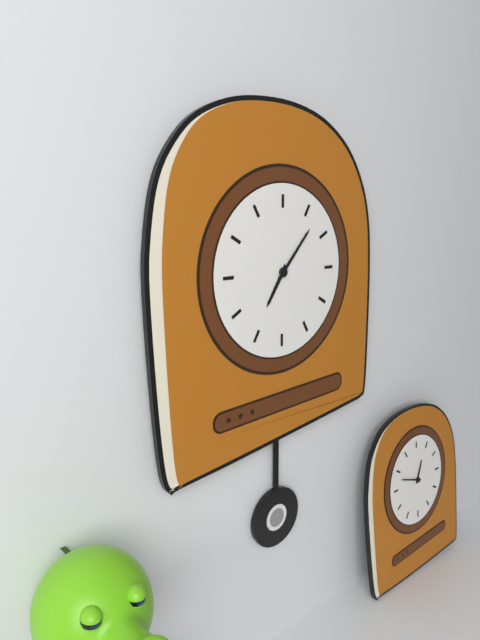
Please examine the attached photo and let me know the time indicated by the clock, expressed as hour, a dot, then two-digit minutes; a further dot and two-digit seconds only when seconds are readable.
7.07
